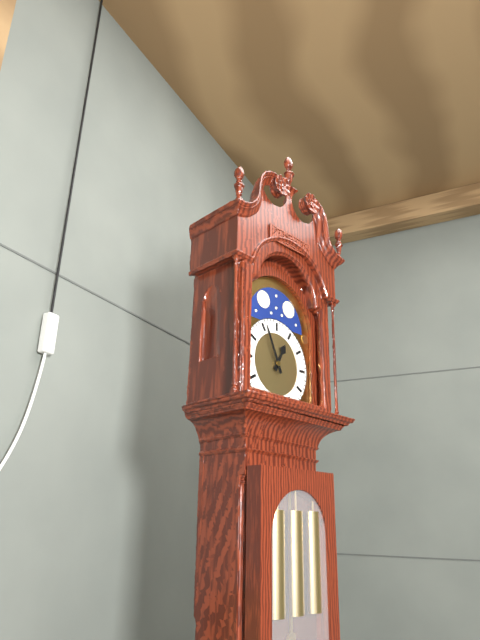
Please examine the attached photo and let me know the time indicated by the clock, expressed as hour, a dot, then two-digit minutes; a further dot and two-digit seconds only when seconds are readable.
12.56
